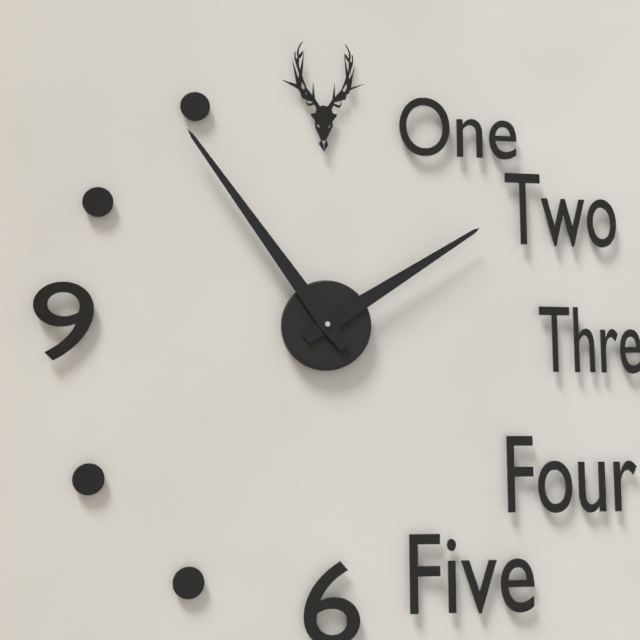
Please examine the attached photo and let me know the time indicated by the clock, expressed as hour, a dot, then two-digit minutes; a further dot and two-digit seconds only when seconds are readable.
1.54
